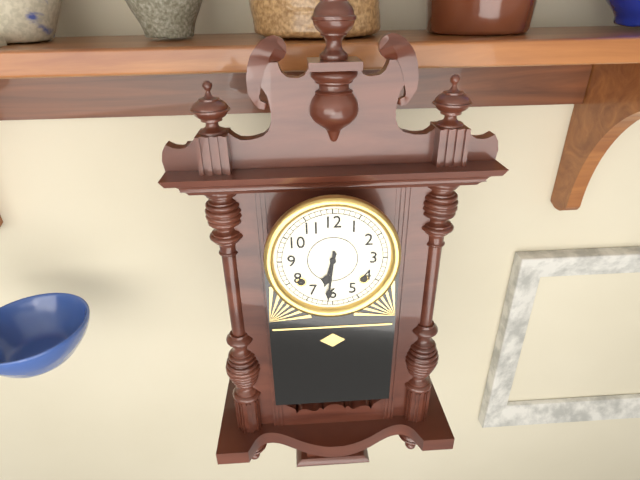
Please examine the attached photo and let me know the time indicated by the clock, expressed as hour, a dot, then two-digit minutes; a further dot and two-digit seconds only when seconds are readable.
6.31
